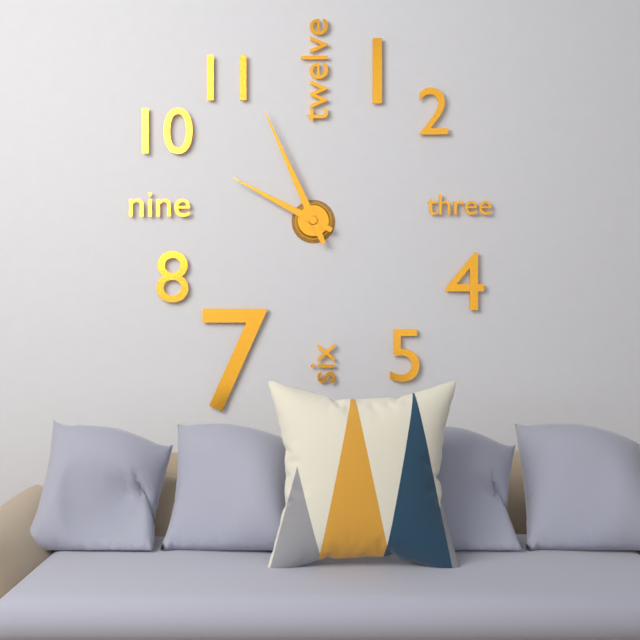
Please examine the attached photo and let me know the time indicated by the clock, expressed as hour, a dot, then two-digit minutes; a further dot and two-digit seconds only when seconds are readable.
9.56
